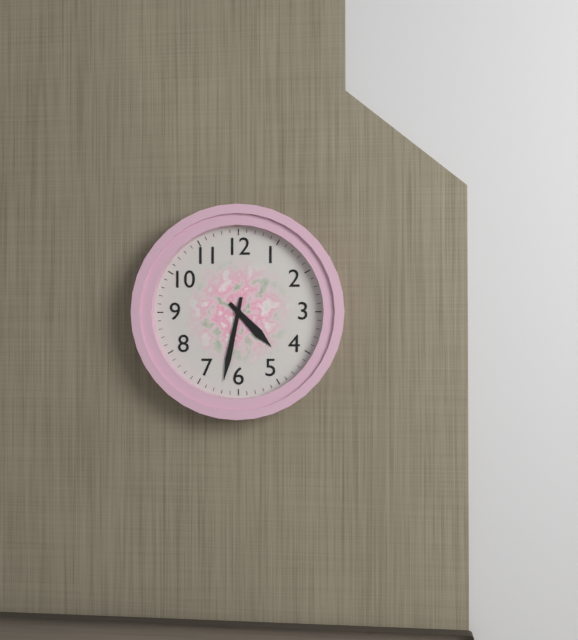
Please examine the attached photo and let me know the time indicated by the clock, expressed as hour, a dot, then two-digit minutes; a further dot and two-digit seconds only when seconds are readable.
4.32
